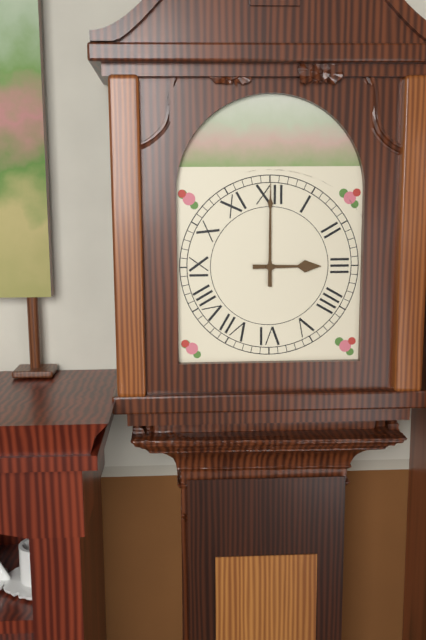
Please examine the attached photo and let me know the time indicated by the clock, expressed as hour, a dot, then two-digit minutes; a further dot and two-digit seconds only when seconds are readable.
3.00
